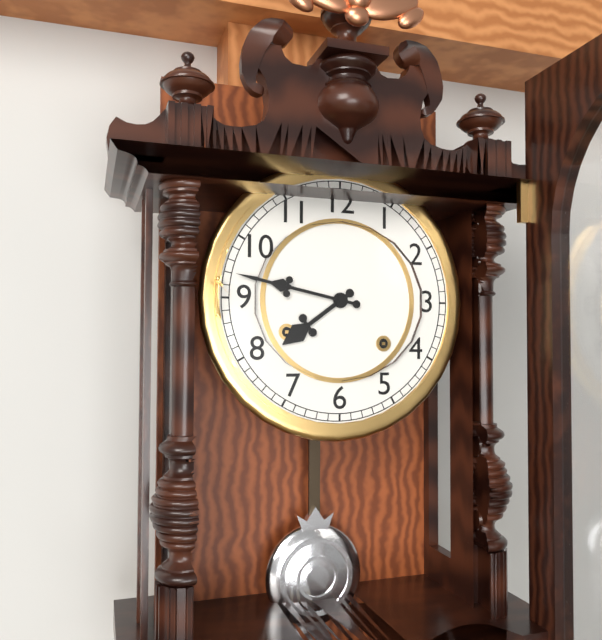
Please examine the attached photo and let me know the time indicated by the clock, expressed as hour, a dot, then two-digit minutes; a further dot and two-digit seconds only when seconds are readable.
7.47
